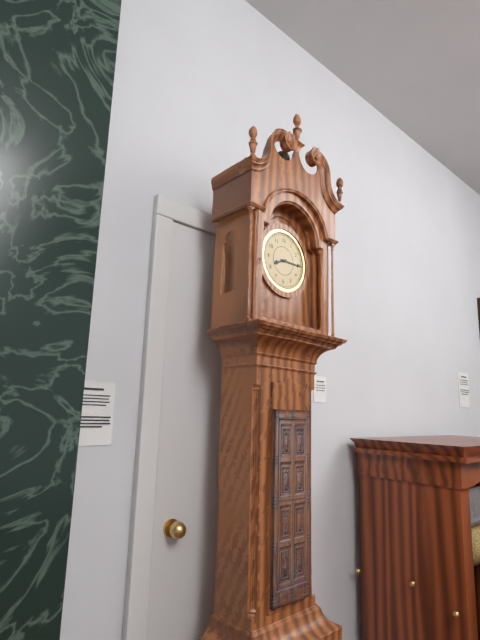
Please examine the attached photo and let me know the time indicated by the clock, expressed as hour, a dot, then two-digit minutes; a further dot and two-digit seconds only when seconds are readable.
8.15
